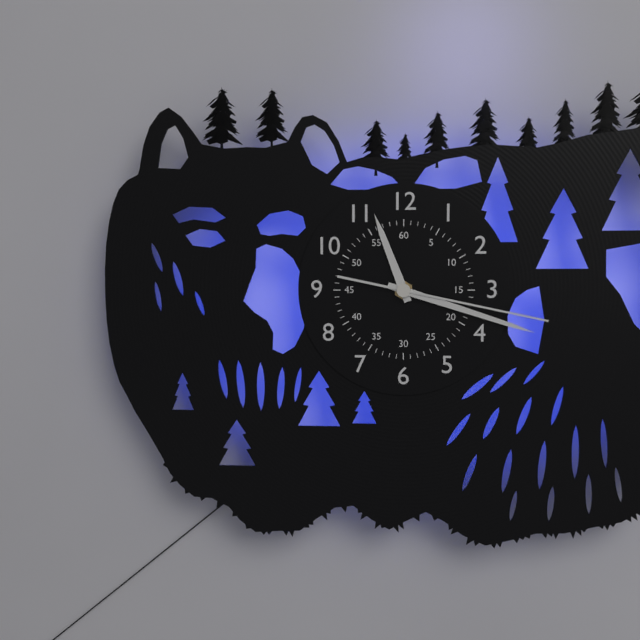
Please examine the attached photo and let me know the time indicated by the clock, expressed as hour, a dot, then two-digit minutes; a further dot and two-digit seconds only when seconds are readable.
11.18.17
